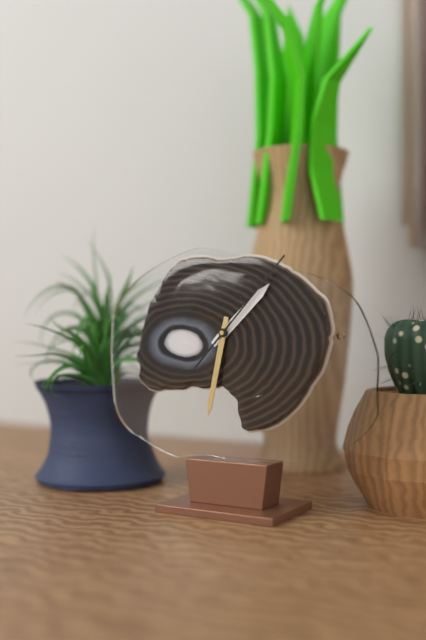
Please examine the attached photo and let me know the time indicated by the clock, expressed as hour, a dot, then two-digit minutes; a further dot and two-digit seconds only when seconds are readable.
1.32.07
